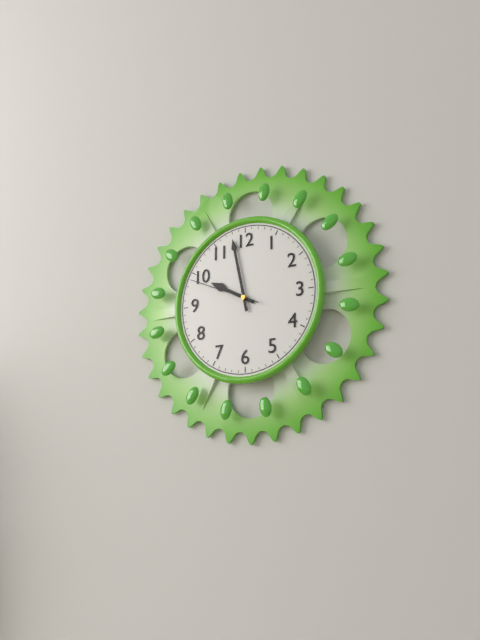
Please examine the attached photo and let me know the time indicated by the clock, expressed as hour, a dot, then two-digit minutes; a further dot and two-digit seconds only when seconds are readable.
9.58.49
